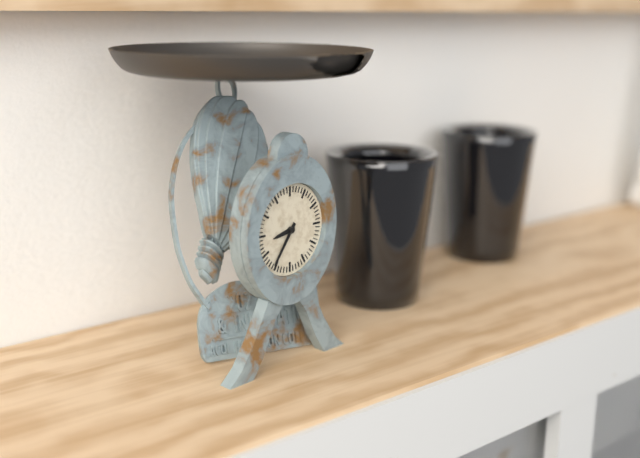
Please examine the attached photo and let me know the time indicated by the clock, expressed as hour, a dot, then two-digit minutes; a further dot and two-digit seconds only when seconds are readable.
8.36
